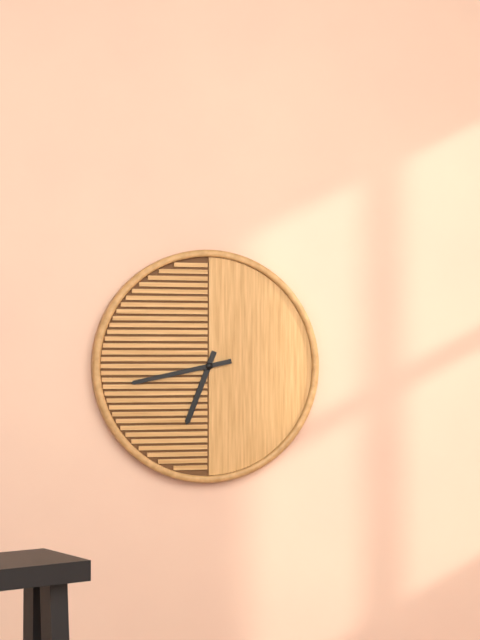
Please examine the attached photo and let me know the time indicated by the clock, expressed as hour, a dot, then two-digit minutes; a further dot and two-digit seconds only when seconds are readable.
6.43
